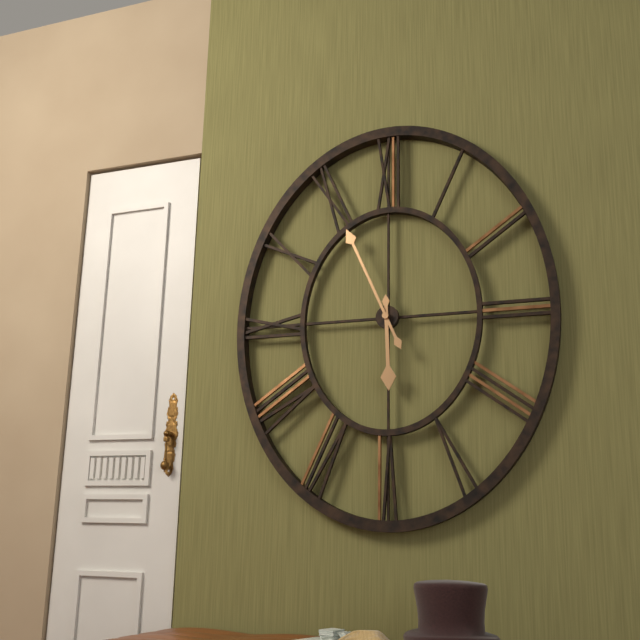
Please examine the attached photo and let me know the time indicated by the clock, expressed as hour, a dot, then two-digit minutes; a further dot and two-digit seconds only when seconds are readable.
5.56
